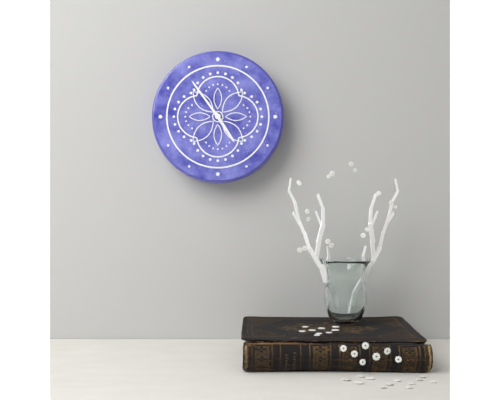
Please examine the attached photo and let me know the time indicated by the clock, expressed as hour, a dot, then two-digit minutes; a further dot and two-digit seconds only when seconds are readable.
4.54
